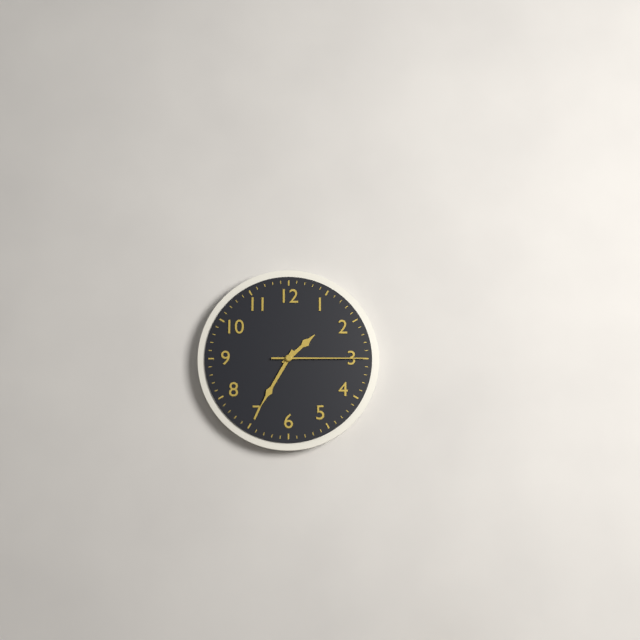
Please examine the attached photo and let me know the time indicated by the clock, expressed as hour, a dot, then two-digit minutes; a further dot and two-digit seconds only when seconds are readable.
1.35.15
